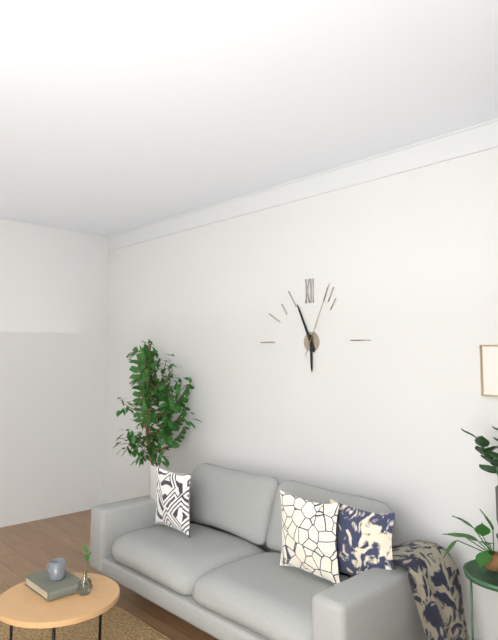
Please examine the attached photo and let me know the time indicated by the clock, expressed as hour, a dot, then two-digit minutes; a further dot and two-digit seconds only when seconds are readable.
5.56.04
